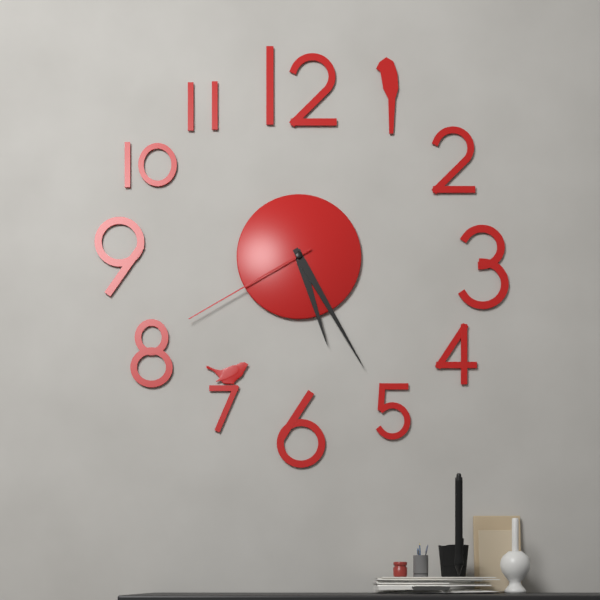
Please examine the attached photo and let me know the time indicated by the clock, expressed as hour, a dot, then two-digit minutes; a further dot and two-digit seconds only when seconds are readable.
5.25.40
